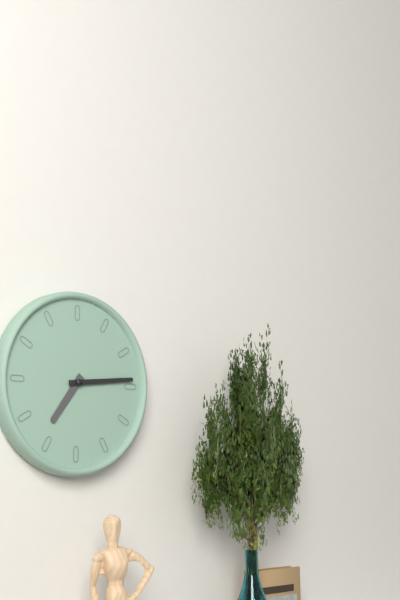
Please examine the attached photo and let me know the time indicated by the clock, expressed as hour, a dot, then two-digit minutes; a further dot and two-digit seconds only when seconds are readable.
7.14
